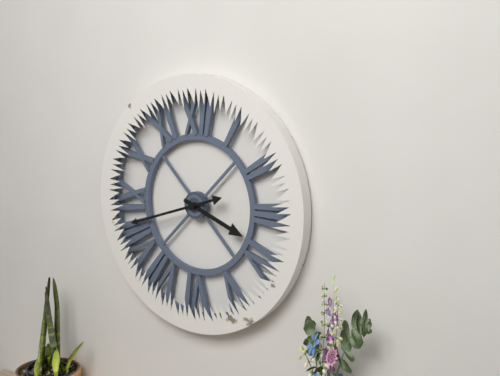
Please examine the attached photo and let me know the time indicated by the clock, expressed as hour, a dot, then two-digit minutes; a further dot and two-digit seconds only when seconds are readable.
3.42
